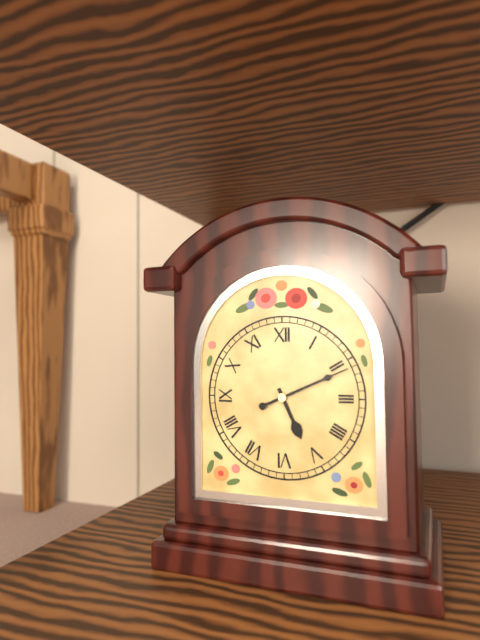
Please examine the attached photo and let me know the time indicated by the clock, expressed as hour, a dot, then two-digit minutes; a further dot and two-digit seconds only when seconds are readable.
5.11
